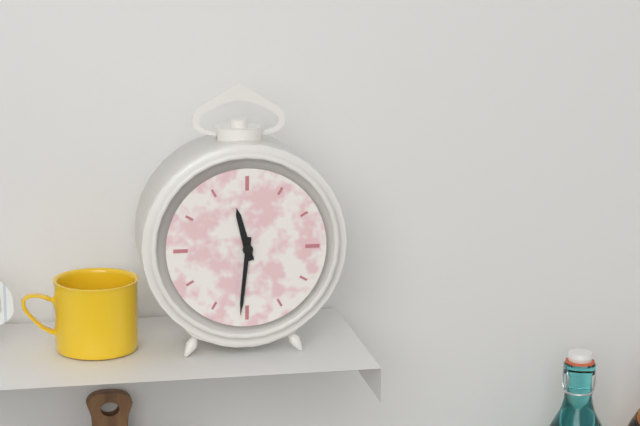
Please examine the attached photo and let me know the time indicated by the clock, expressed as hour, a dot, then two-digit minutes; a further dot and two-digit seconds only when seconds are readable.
11.31
